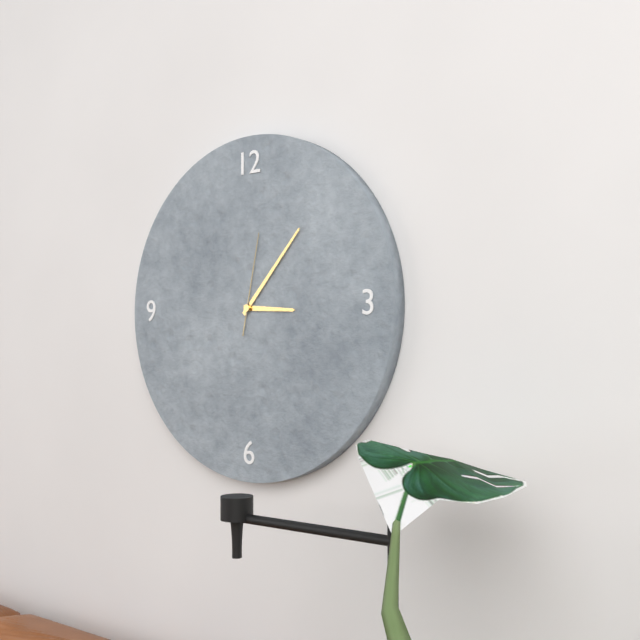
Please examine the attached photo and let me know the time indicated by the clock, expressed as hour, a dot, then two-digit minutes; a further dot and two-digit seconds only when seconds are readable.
3.07.02
